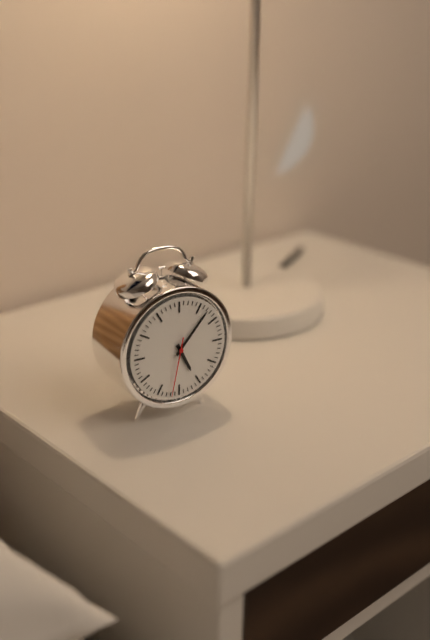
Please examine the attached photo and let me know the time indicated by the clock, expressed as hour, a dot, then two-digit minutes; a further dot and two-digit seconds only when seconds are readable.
5.07.32
